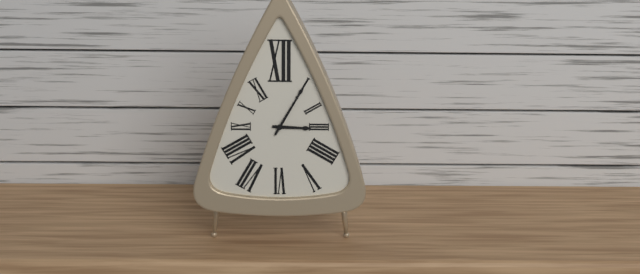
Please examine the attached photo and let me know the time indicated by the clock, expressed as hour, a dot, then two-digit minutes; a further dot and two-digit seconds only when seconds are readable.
3.05
